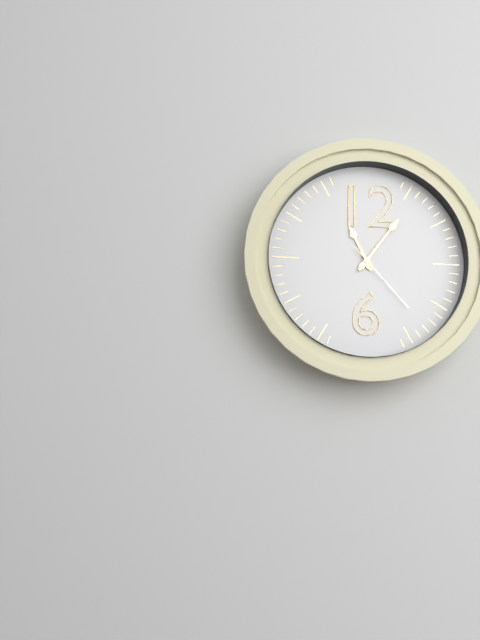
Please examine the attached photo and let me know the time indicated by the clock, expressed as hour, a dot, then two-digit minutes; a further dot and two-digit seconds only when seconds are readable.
11.06.23
